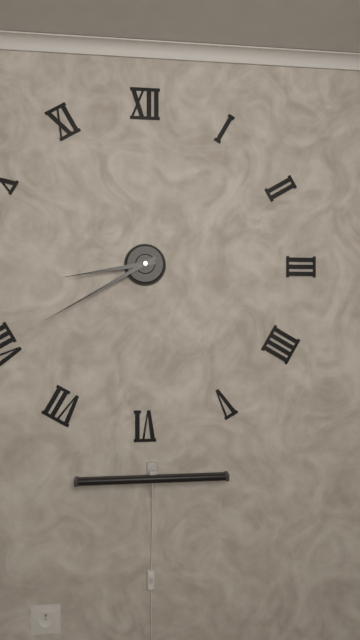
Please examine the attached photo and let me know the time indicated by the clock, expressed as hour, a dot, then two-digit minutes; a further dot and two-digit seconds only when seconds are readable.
8.40
